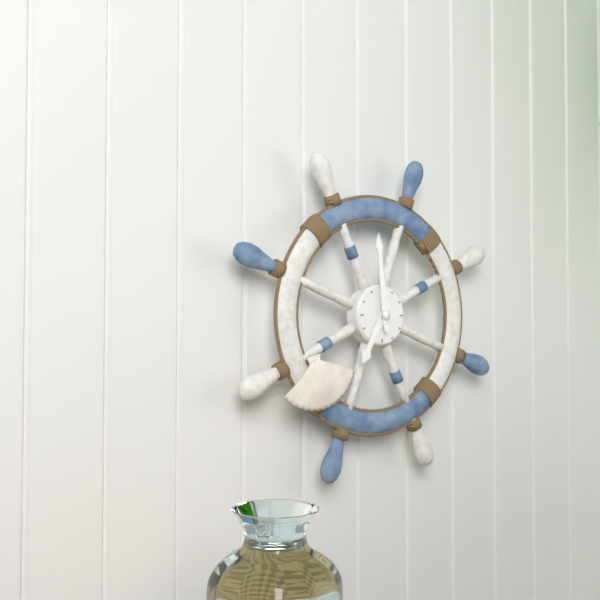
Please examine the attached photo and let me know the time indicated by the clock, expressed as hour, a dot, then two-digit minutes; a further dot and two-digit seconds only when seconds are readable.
6.59
